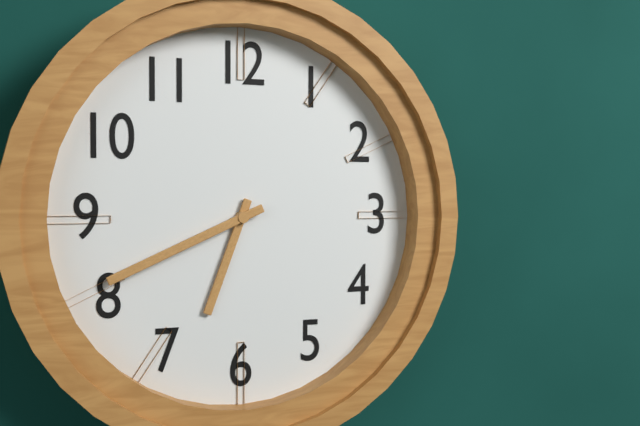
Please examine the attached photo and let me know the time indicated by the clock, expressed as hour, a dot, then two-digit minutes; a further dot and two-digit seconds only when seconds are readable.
6.41
